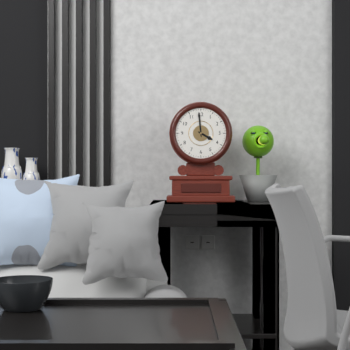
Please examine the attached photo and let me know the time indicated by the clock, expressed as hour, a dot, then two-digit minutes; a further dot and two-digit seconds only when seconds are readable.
3.59
